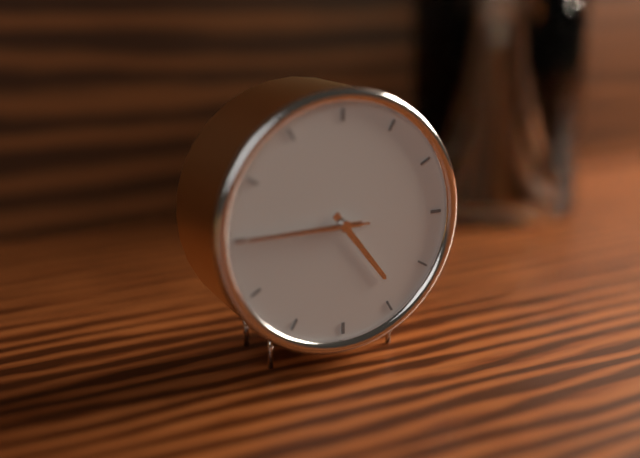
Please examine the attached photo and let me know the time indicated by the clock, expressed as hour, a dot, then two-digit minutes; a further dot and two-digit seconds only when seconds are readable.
4.45.45
